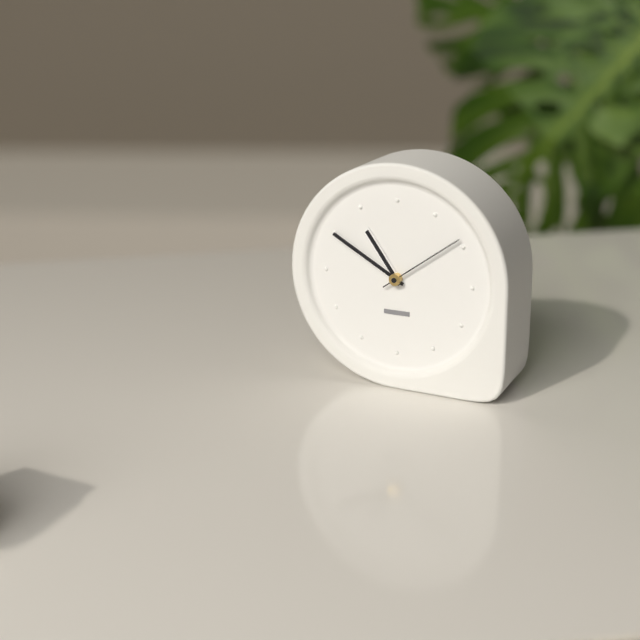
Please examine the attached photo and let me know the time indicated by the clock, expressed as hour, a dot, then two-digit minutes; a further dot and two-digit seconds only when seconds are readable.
10.50.09
